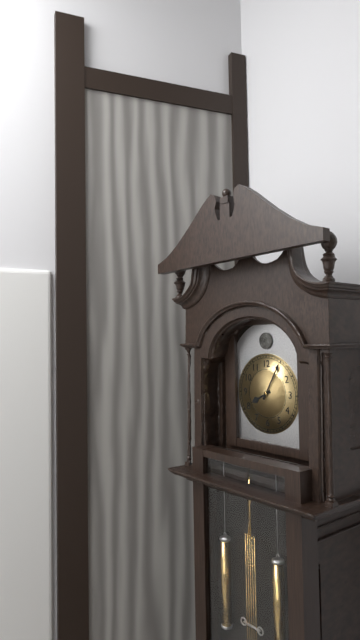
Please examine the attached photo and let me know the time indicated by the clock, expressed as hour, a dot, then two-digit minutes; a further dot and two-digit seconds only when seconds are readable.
8.05
